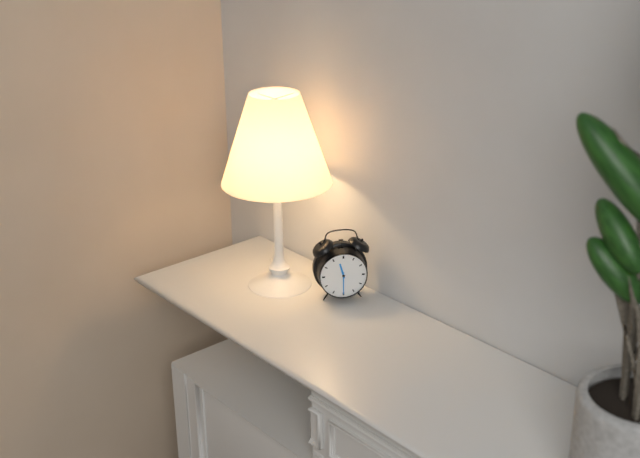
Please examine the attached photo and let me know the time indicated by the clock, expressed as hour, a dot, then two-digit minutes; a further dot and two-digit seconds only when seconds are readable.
11.30
